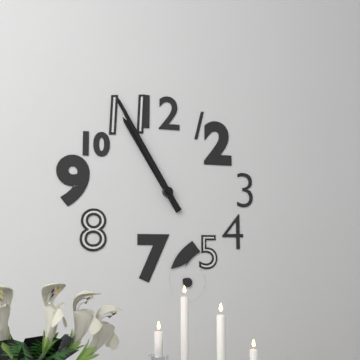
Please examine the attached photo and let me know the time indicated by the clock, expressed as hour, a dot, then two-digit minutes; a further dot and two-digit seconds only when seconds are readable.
10.55
